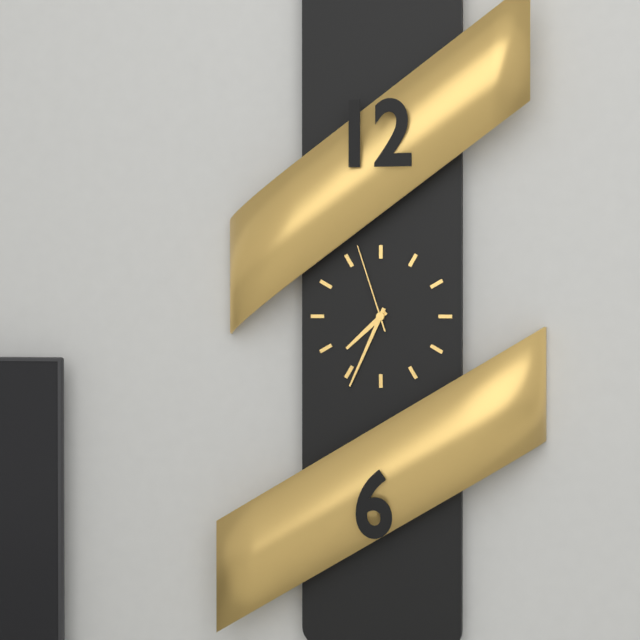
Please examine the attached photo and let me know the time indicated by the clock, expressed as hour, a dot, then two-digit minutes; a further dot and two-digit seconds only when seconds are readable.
7.34.57
